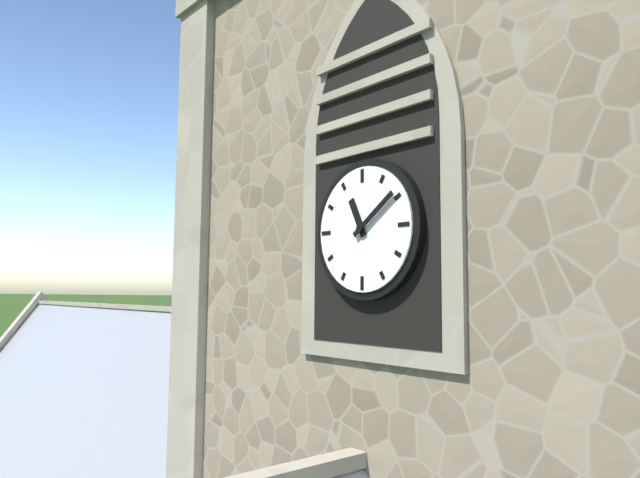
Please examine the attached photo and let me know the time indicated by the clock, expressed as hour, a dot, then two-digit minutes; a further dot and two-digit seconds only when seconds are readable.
11.09
